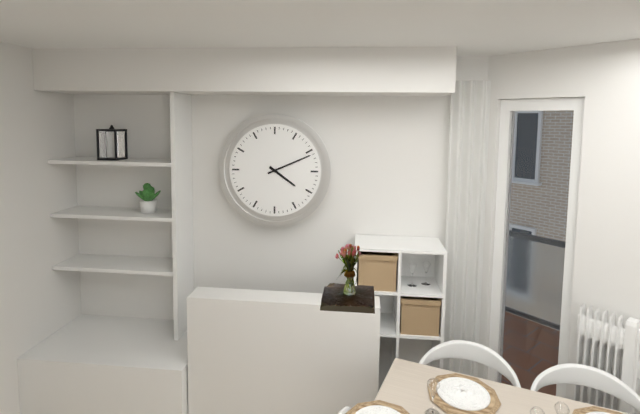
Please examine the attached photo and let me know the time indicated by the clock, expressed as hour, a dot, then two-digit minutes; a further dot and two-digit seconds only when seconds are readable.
4.11
